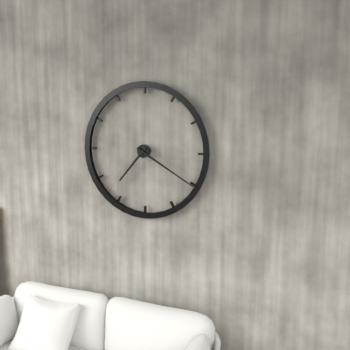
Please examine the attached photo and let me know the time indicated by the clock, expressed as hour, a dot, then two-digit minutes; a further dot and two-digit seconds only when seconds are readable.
7.20
